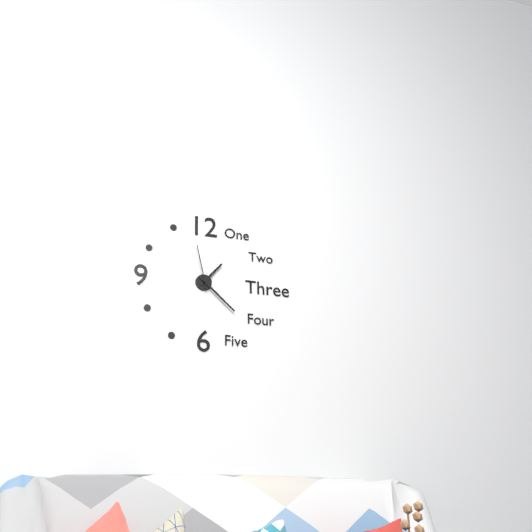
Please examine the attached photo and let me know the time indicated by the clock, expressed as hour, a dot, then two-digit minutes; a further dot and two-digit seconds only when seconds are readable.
1.22
